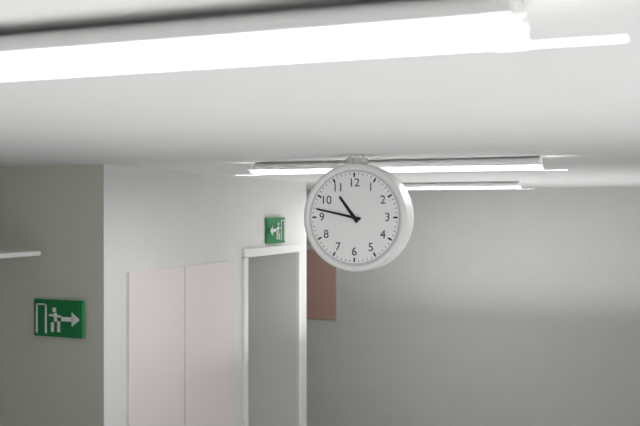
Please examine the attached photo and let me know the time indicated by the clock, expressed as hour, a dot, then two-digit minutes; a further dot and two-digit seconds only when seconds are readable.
10.47
